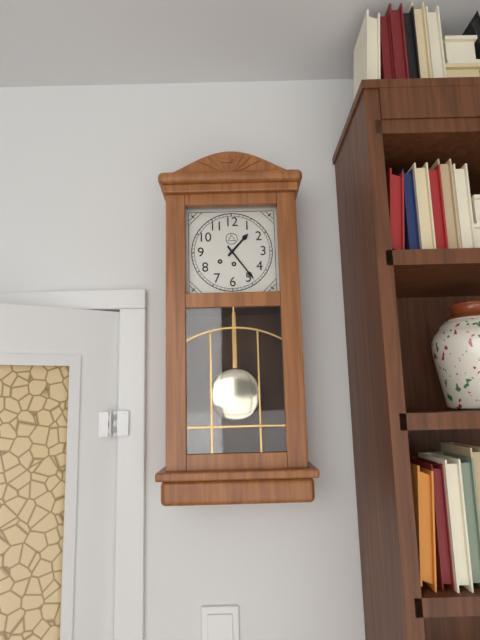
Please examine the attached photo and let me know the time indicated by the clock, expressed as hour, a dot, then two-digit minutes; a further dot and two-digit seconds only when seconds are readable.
1.24
